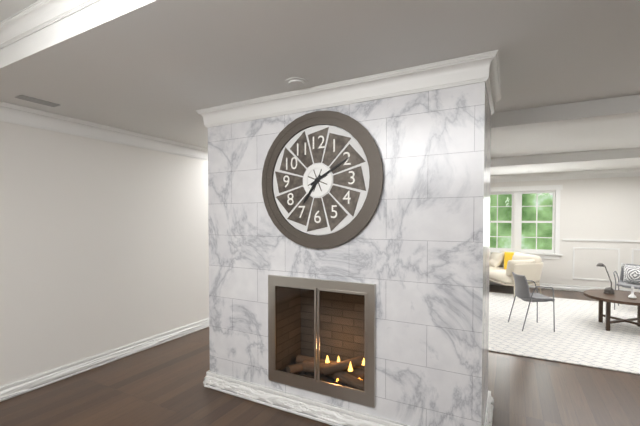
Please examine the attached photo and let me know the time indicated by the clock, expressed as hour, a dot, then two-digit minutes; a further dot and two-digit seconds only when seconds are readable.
7.10
